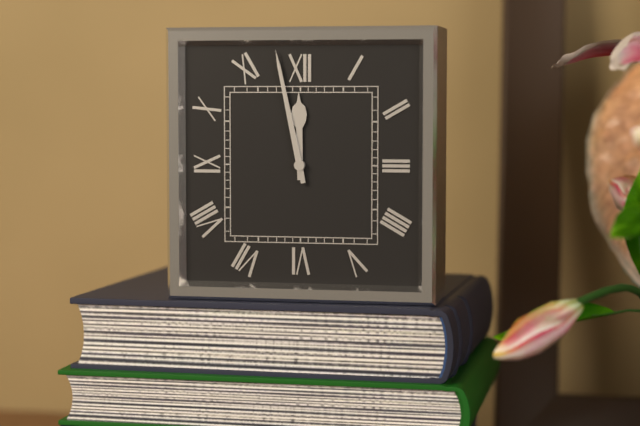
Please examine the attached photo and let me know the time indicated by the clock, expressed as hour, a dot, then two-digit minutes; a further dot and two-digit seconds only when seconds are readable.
11.58
